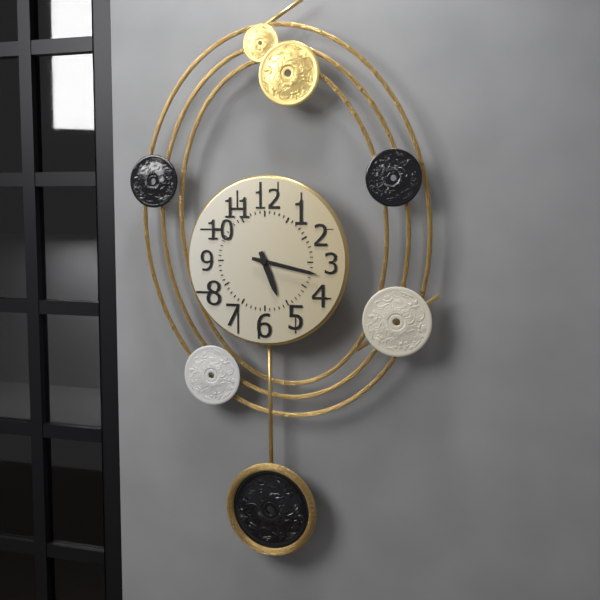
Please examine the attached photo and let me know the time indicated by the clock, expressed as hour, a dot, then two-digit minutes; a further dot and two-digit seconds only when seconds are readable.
5.17
